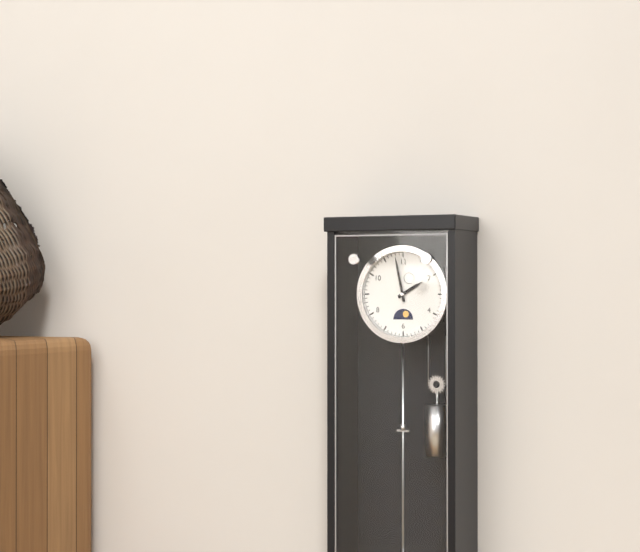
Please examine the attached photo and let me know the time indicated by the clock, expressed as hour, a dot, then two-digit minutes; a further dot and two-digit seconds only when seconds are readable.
1.58
